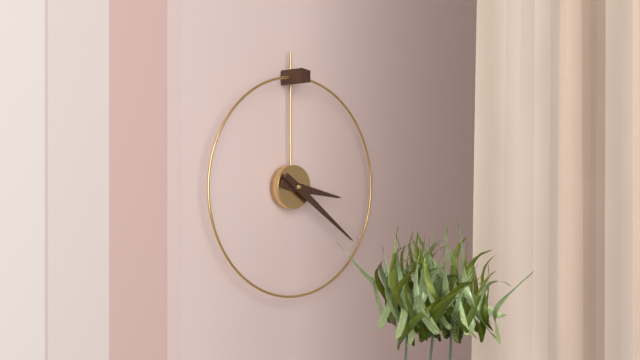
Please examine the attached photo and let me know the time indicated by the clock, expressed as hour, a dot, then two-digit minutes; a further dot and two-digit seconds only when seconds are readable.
3.21
